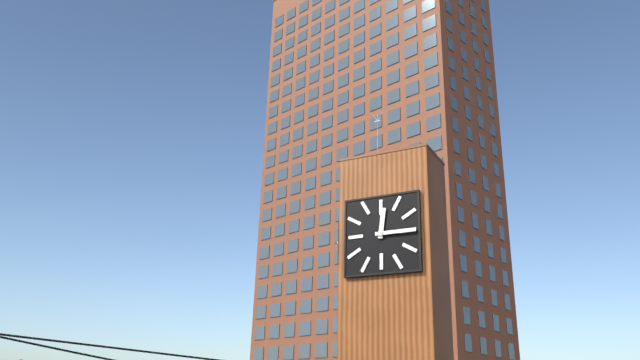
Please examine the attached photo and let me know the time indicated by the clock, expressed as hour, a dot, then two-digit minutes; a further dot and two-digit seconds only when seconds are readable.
12.15
